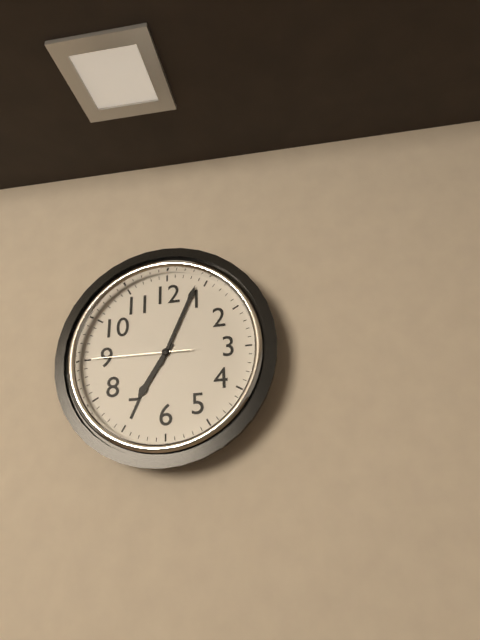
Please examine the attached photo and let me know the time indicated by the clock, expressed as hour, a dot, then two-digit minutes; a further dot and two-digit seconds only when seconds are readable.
7.04.45
